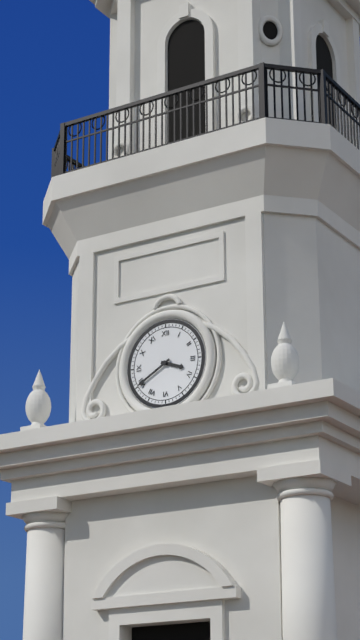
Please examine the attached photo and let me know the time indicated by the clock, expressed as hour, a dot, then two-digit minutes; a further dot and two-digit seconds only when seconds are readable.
3.40
